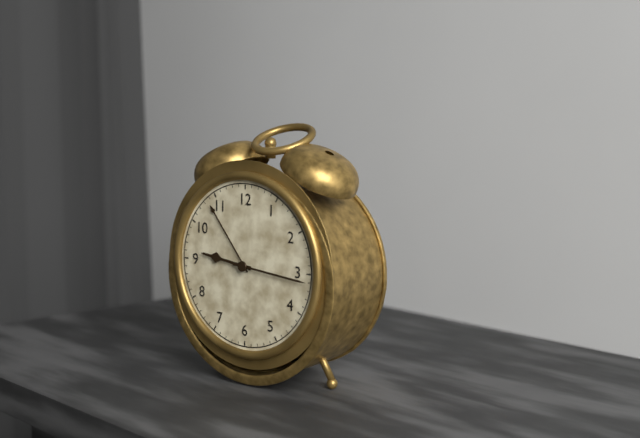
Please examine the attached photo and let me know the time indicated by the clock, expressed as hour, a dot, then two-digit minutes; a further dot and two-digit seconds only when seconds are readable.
9.16
